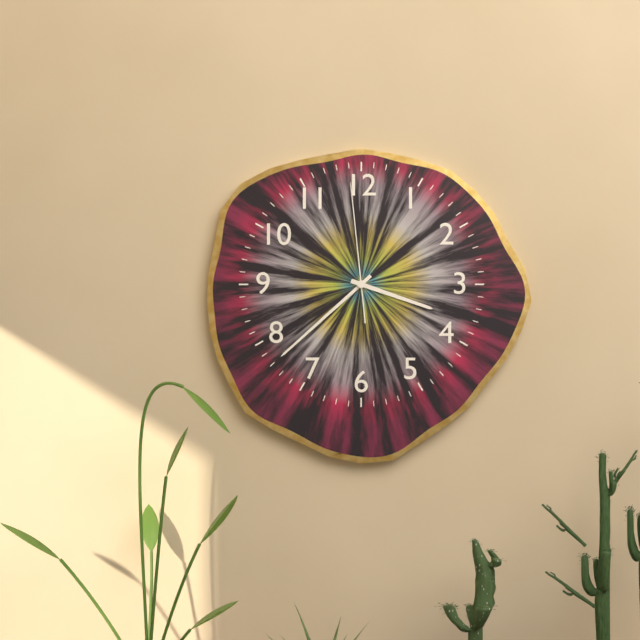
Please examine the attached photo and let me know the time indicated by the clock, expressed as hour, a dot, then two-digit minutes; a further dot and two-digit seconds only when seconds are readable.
3.38.59
